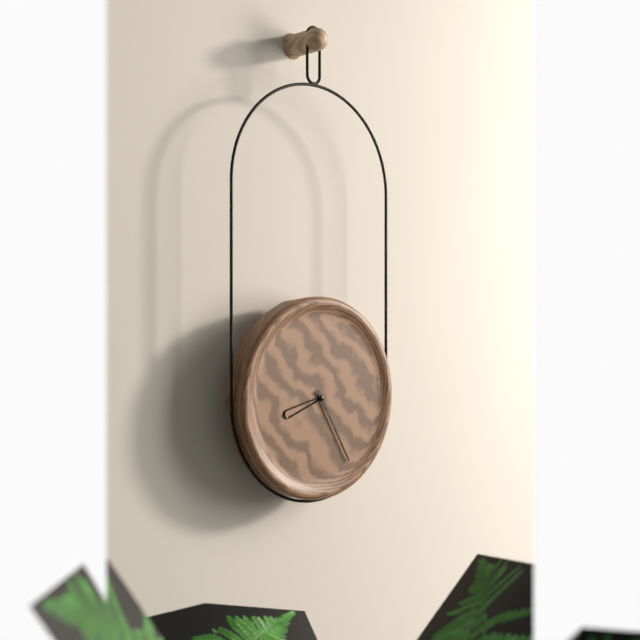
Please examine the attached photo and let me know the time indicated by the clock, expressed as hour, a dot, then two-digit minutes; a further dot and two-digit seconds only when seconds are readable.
8.25
